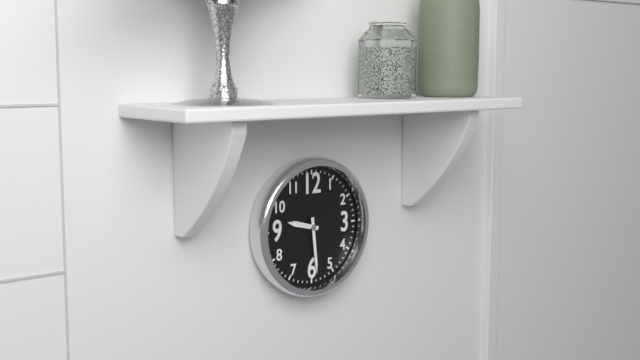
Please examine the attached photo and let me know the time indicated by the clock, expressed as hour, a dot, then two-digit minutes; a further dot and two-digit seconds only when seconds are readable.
9.29
